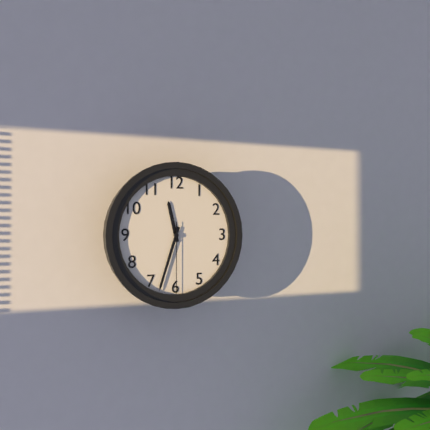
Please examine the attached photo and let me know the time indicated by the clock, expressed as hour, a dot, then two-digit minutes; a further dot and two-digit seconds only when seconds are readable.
11.33.30
